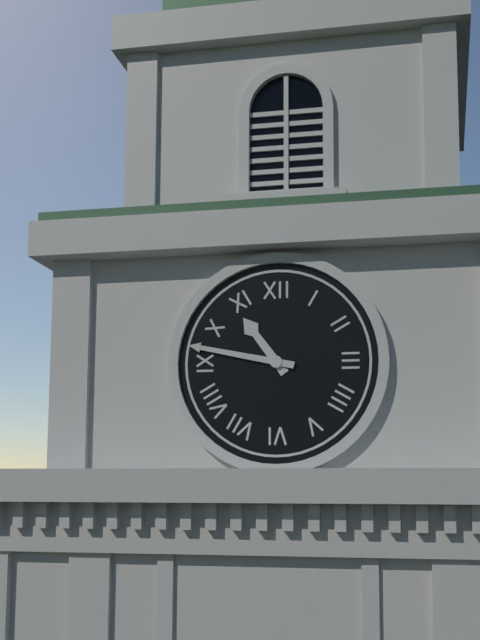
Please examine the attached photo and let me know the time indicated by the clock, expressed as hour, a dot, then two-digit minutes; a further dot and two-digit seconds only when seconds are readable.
10.47
